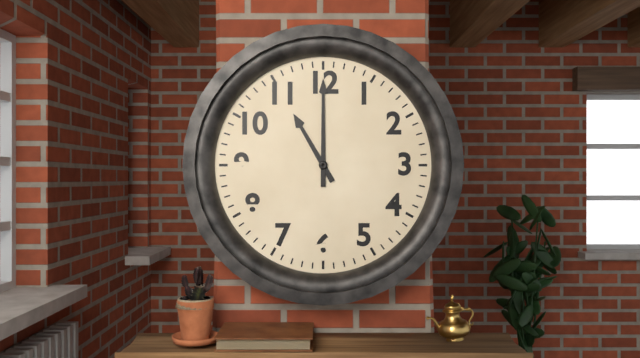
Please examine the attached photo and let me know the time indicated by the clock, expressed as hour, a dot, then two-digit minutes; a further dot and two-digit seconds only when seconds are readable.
11.00
